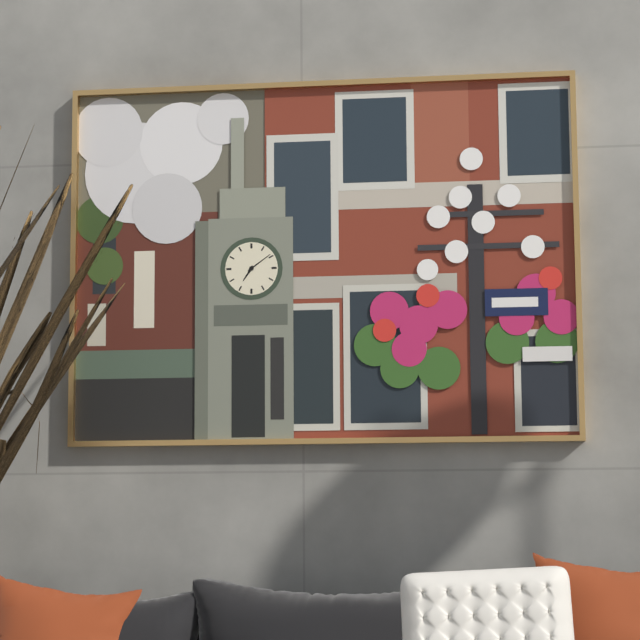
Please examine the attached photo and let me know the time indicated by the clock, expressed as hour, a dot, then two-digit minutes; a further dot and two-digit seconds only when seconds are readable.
7.09
